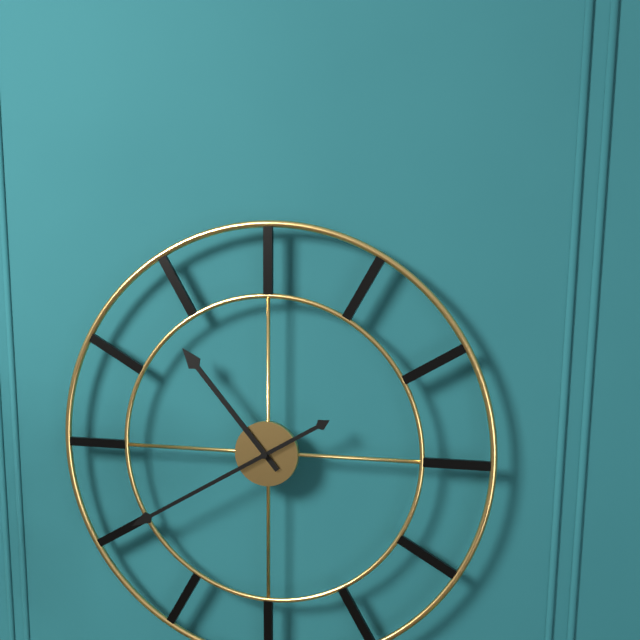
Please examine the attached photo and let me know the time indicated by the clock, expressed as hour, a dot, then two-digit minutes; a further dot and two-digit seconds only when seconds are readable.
10.40
